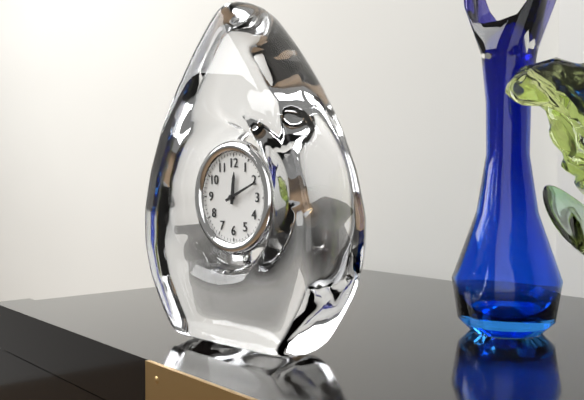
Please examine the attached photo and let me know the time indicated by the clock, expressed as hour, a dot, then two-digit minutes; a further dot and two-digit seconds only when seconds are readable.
12.11
